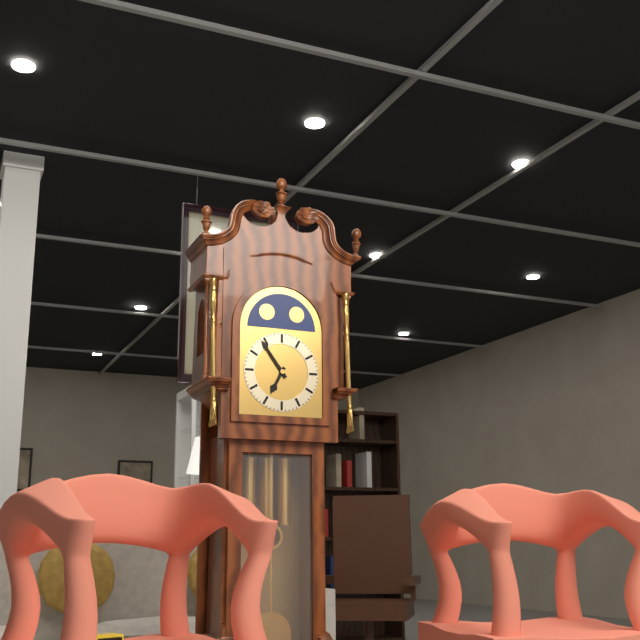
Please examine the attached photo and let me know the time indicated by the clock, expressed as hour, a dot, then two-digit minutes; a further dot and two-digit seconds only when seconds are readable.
6.54
